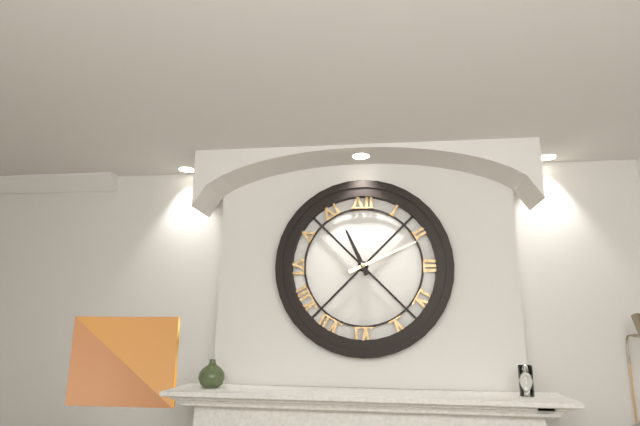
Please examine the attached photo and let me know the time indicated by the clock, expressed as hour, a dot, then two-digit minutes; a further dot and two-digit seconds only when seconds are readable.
11.11
